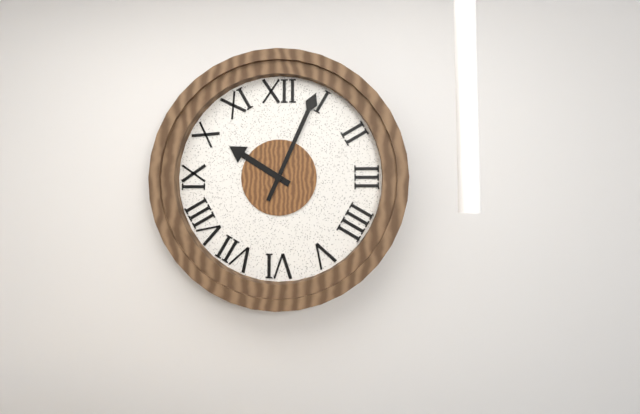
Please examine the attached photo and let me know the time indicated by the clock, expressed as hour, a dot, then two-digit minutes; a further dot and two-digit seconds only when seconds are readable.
10.04
